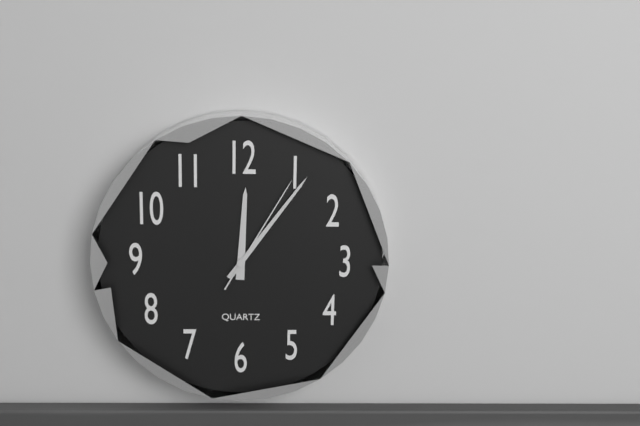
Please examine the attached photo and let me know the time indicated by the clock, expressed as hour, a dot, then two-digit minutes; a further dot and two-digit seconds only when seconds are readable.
12.06.05
